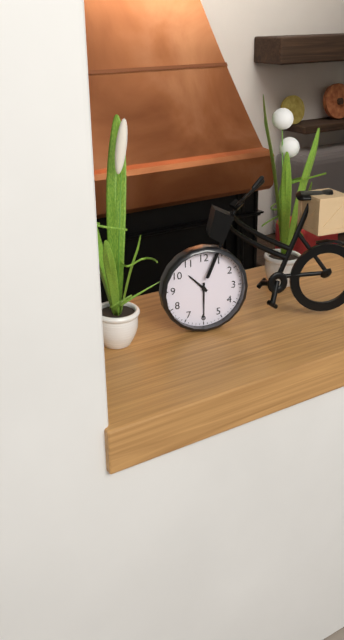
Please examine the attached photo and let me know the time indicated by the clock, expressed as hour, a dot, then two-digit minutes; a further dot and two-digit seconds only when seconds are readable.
10.30
